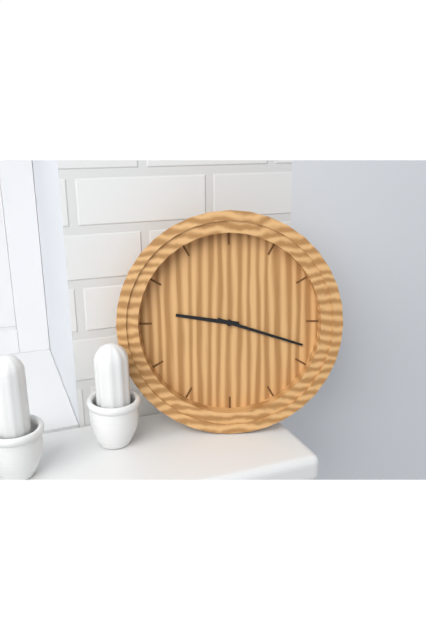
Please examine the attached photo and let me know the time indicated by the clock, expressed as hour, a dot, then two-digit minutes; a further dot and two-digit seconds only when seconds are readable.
9.18
